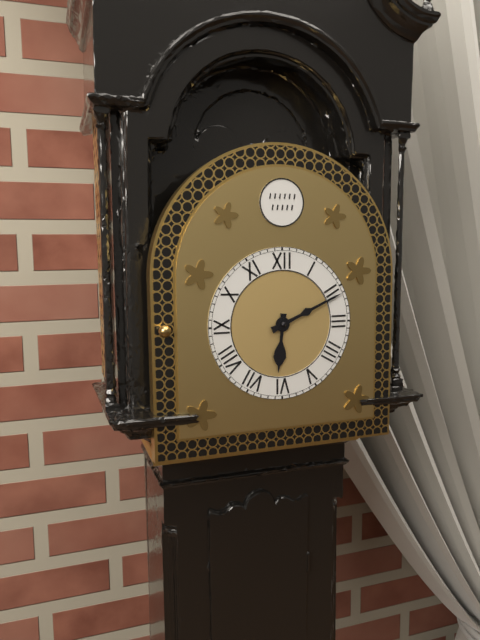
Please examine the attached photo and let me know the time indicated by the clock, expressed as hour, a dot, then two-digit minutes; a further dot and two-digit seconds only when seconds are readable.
6.11
